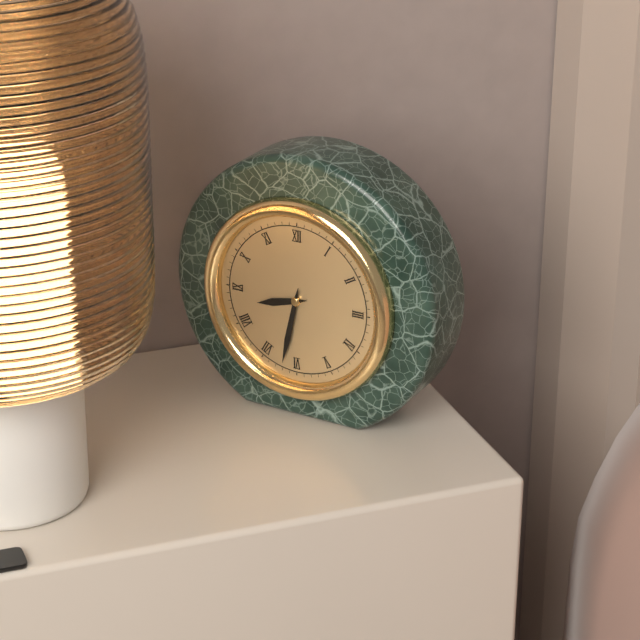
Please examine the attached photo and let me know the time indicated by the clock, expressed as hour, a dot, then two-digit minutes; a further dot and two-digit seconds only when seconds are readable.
8.32
